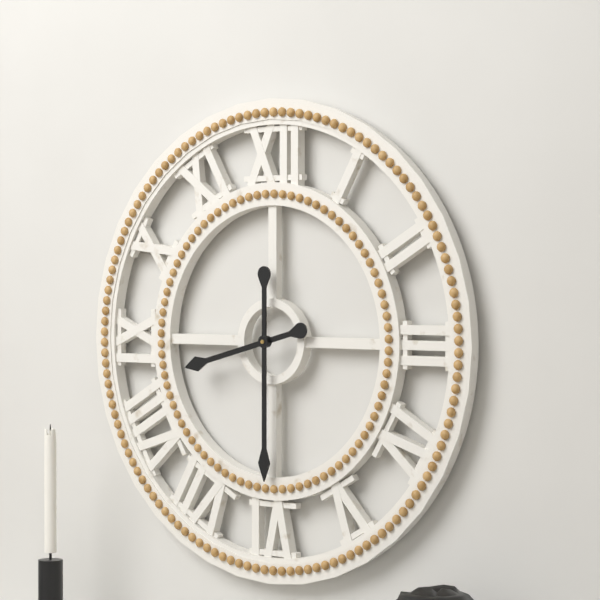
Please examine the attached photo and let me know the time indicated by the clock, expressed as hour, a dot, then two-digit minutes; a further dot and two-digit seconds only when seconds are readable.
8.30
